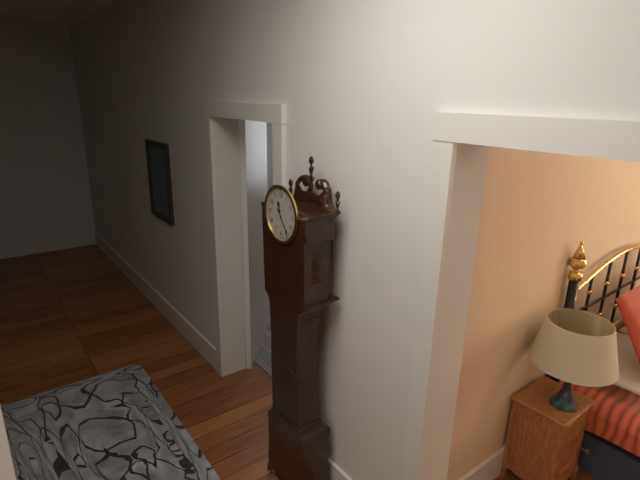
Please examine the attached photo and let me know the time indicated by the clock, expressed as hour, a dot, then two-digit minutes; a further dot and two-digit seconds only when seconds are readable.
11.24
